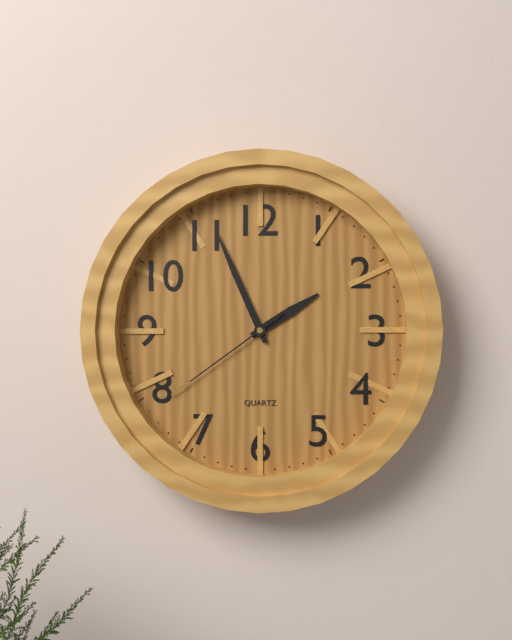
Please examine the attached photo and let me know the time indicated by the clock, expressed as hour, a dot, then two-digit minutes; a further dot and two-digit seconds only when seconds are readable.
1.56.39
